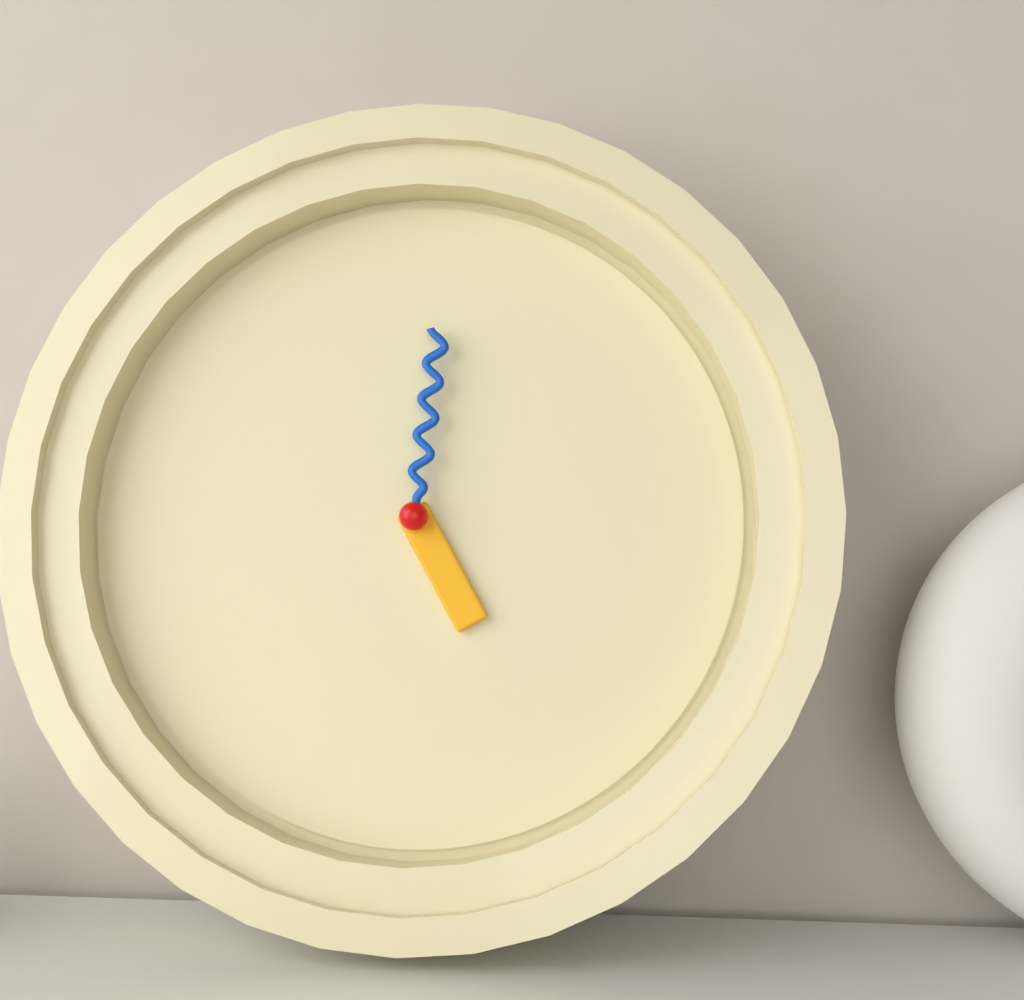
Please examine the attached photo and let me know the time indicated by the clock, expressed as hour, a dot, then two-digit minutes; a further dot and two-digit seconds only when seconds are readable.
5.01
